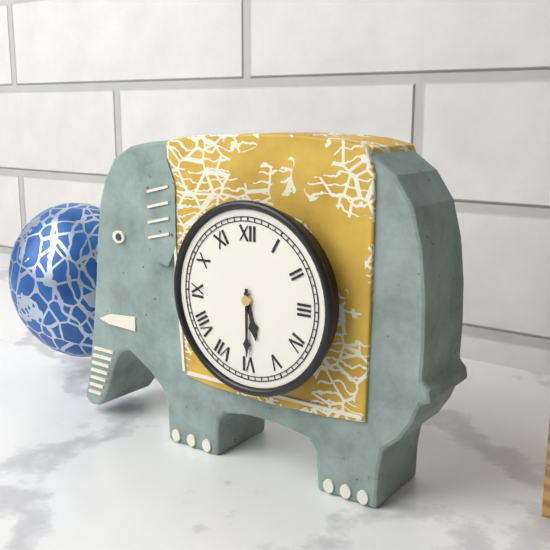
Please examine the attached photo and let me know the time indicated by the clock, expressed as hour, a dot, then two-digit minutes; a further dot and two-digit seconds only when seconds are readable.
5.30
